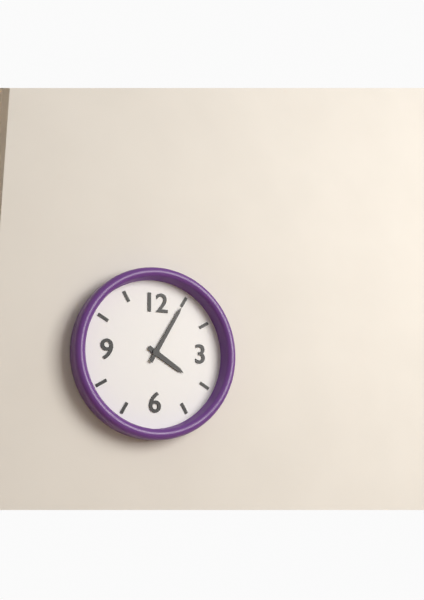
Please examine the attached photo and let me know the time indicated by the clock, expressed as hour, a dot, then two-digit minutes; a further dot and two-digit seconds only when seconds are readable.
4.05
